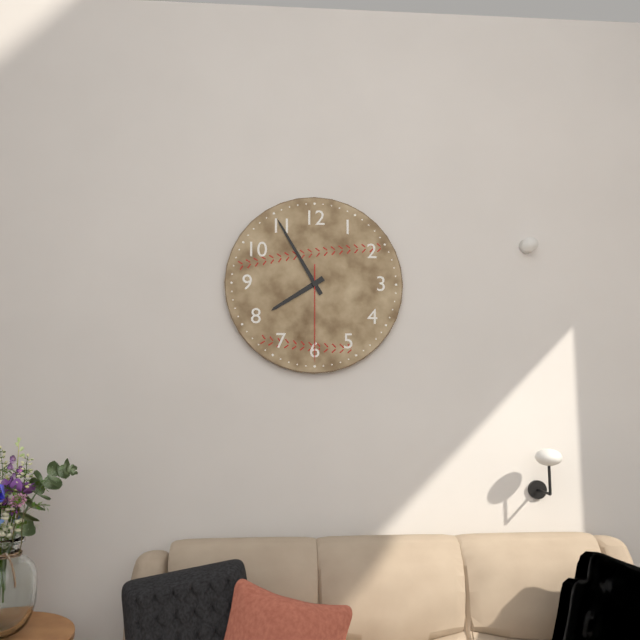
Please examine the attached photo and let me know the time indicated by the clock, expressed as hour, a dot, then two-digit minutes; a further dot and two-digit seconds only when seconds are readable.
7.55.30
